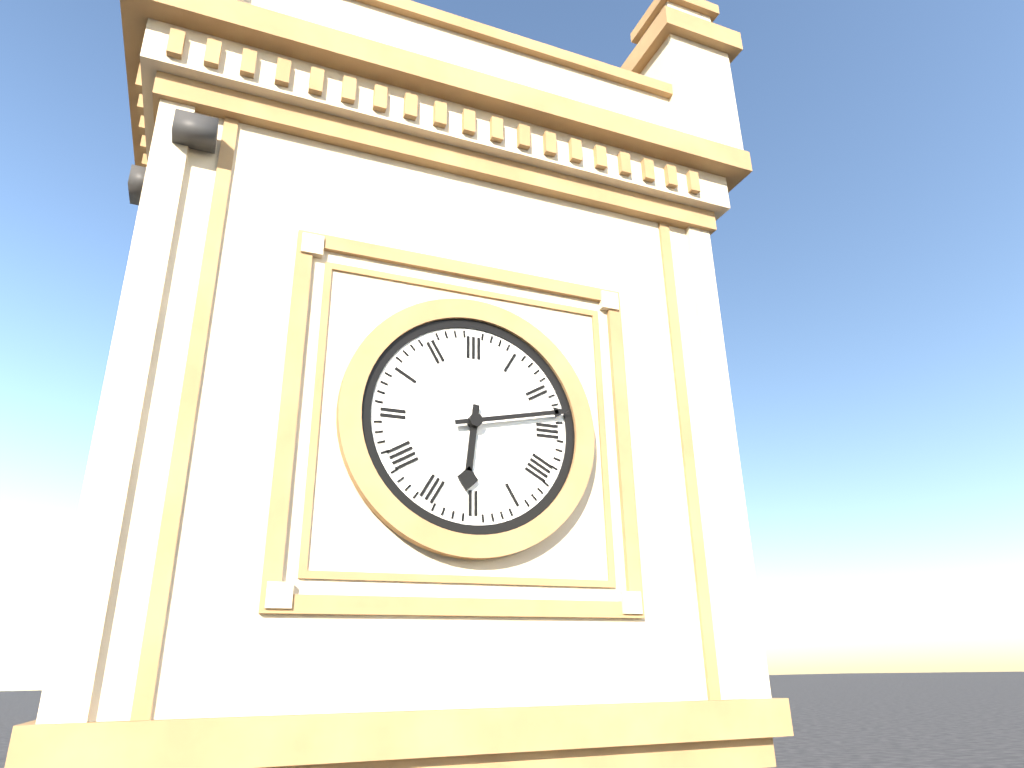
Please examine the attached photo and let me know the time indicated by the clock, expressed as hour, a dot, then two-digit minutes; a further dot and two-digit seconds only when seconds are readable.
6.13
